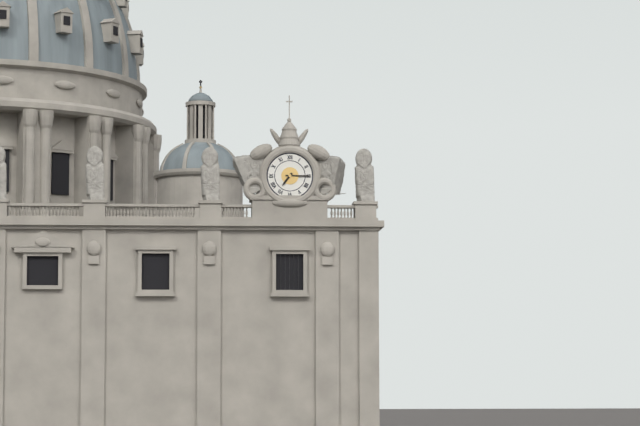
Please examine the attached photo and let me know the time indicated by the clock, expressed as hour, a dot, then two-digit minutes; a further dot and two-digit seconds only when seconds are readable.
7.15
